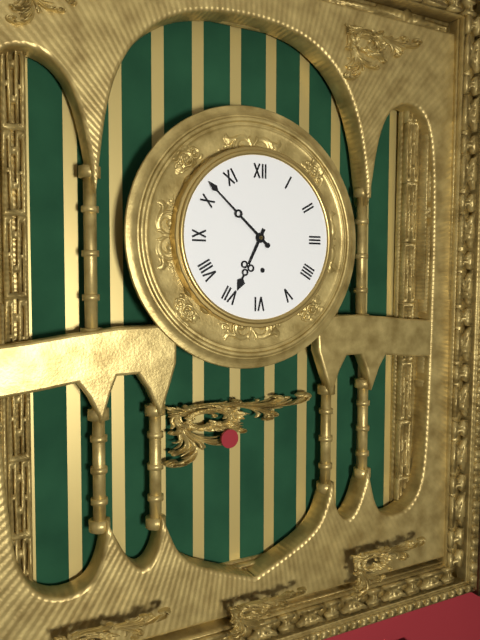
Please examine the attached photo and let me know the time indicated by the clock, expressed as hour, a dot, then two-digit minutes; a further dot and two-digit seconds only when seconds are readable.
6.52
